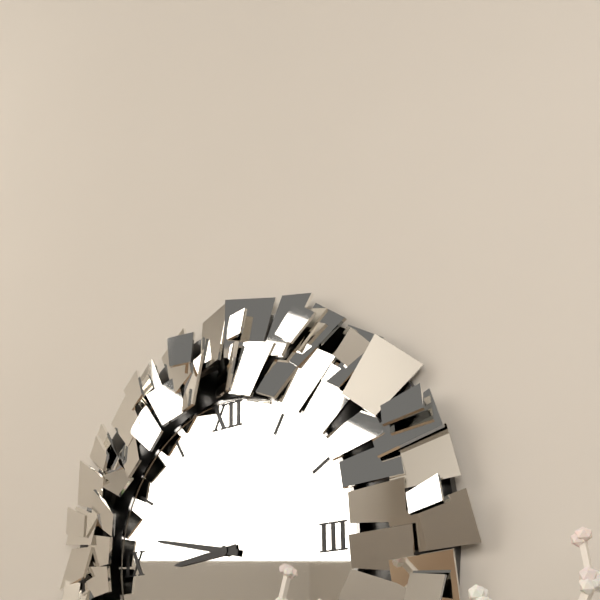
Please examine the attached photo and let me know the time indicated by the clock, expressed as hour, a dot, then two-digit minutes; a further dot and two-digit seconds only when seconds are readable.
8.47
